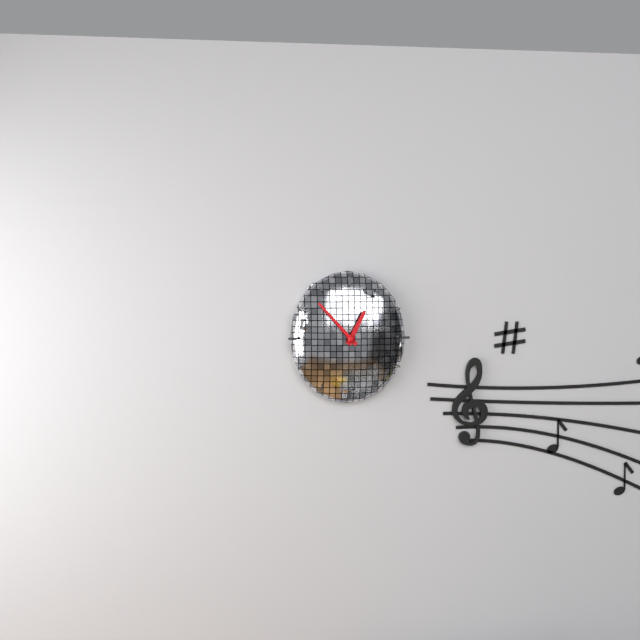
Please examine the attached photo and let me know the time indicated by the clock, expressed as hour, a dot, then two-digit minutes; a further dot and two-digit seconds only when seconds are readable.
12.53
